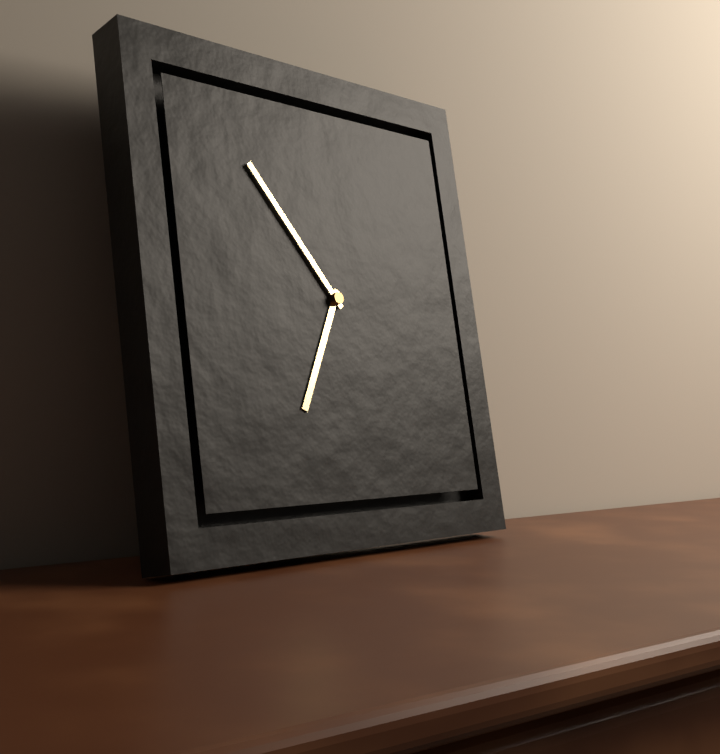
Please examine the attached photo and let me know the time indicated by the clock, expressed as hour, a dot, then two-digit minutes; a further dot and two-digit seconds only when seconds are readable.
6.54
